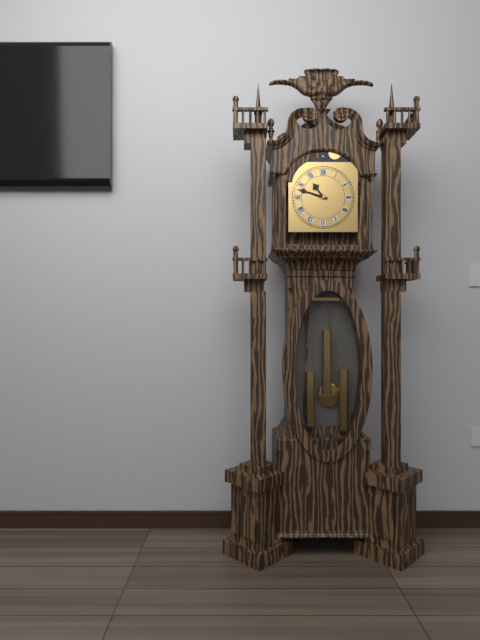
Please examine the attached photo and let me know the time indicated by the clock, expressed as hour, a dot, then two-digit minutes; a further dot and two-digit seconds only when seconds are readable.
10.48
